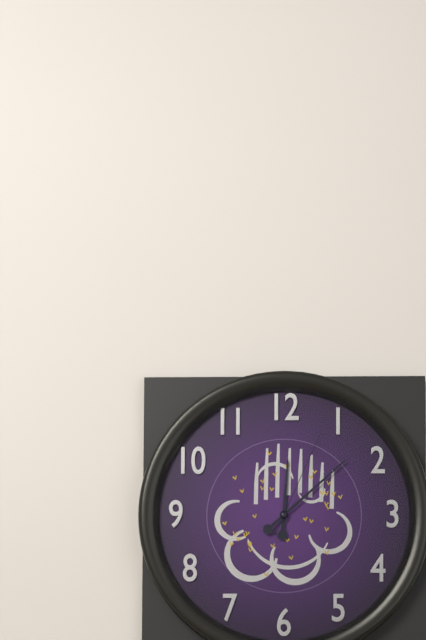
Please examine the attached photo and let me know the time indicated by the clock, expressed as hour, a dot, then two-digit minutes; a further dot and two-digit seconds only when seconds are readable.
12.08.04
